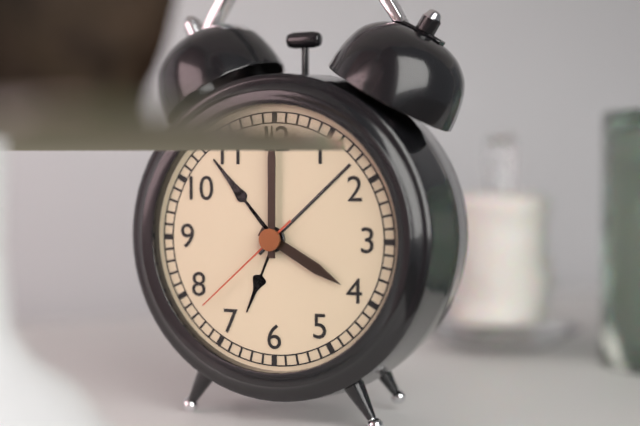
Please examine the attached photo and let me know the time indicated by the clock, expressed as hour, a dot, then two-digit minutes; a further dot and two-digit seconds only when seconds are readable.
4.00.38
